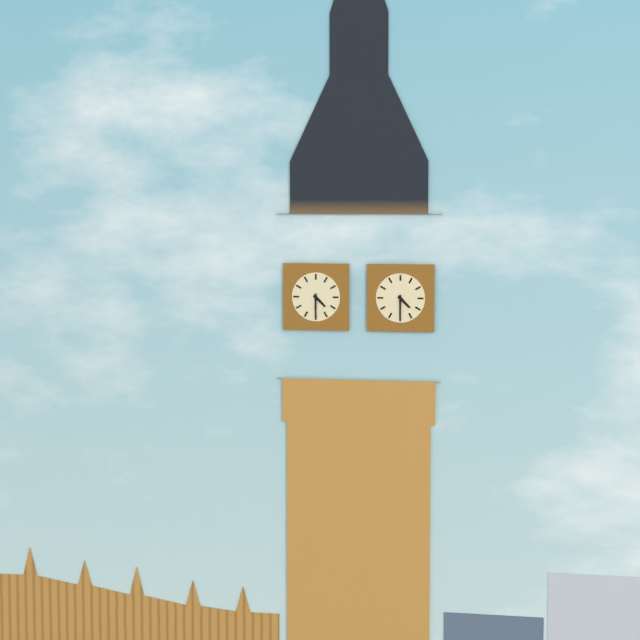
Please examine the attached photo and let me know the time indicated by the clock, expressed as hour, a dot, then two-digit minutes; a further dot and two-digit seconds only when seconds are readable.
4.30
